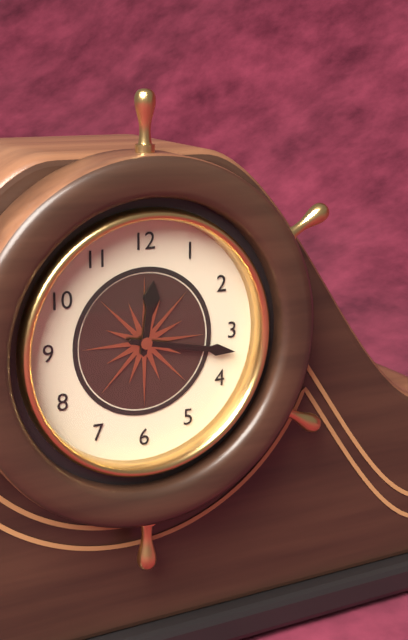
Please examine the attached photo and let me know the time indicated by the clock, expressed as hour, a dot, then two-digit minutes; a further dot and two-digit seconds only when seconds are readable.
12.17
